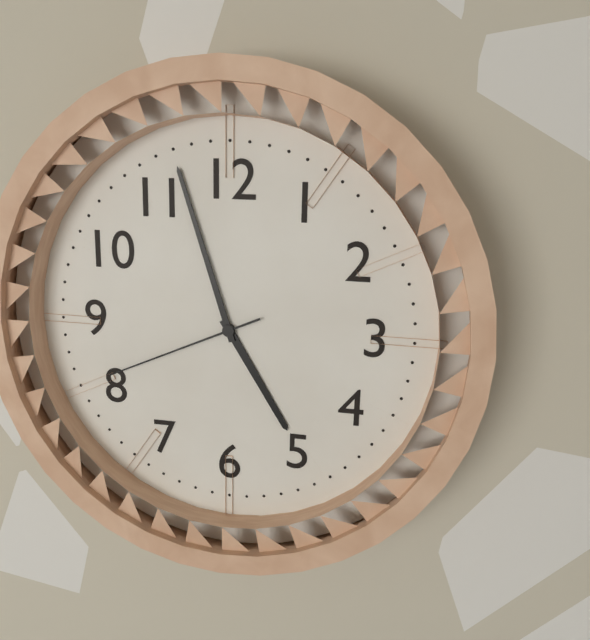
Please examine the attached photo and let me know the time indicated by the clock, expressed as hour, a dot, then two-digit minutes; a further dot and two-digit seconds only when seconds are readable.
4.57.41
